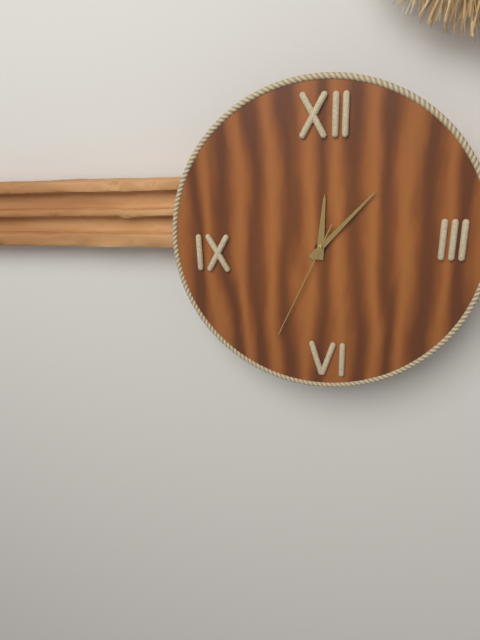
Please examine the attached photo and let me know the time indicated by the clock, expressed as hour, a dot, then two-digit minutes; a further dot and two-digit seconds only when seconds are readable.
12.07.34
